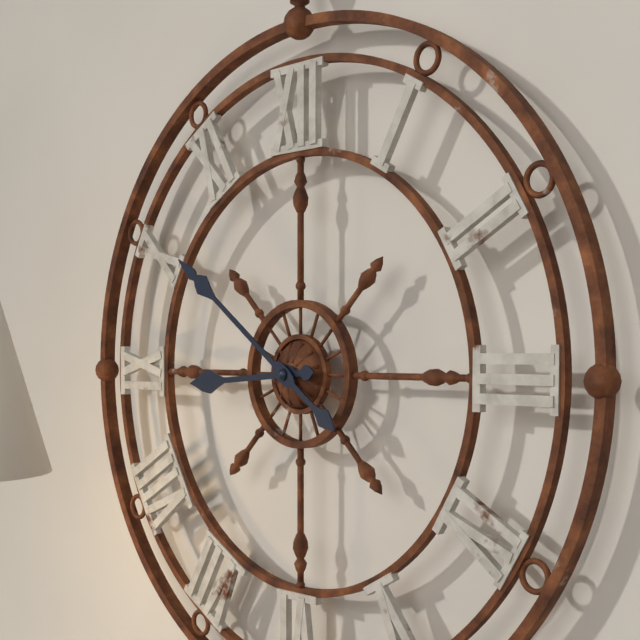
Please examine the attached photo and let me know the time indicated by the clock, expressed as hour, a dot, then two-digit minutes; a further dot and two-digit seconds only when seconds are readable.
8.51
